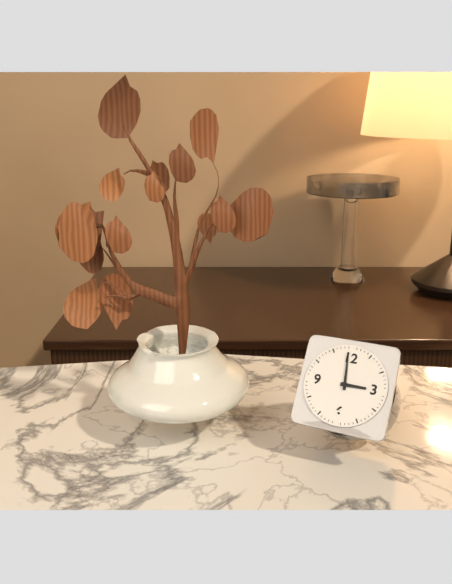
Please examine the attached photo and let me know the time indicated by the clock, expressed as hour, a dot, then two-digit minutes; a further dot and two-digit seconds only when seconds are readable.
2.59
